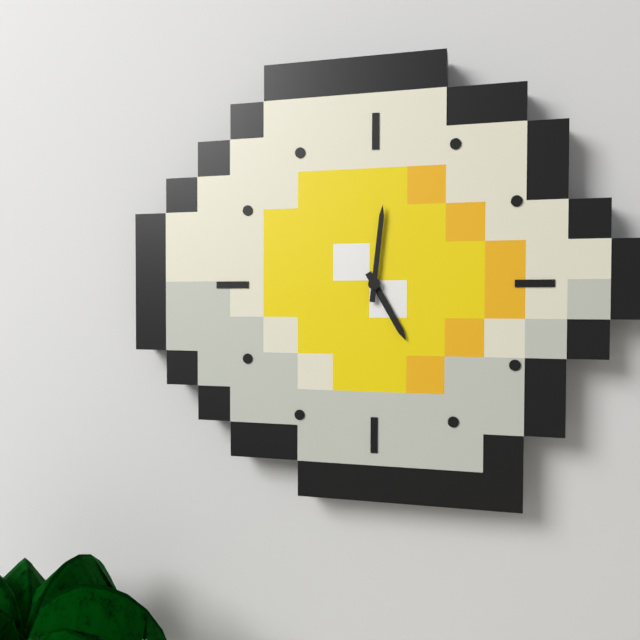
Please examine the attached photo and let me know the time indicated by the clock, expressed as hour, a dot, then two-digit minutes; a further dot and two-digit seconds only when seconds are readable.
5.01
